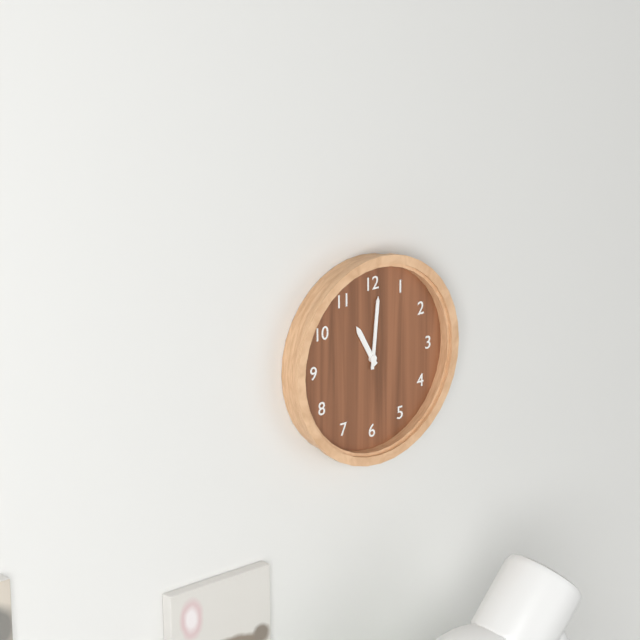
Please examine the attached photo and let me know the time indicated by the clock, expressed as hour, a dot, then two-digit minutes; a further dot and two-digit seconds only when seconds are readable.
11.01
